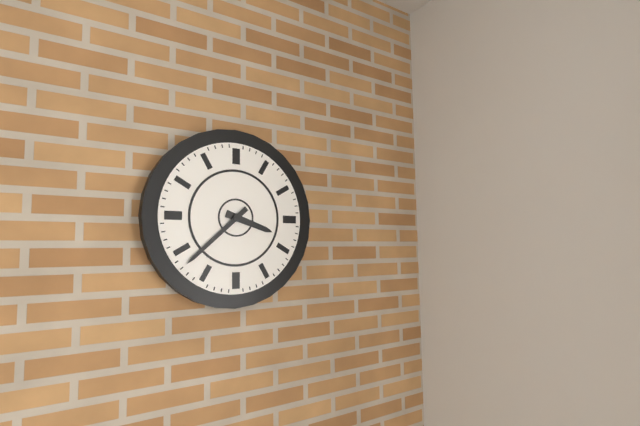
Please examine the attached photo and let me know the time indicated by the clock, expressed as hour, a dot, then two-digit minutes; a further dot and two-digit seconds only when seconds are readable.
3.38
